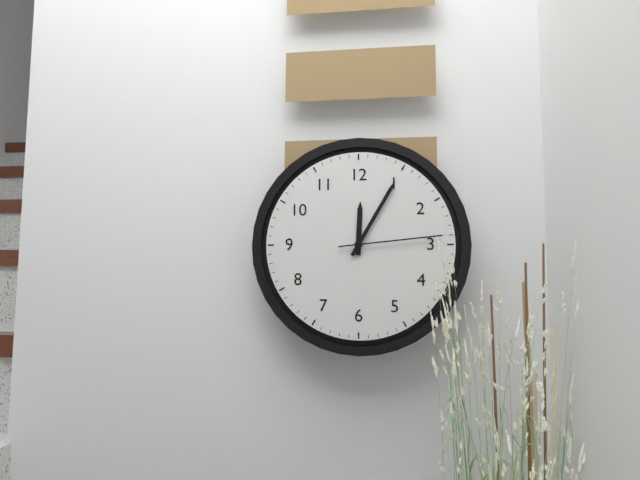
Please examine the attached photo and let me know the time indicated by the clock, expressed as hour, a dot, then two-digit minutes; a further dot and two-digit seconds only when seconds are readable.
12.05.14
